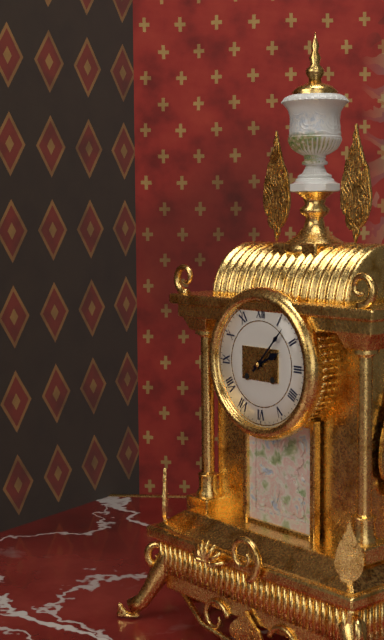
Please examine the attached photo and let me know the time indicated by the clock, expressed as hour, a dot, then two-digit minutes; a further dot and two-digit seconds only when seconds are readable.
2.07
